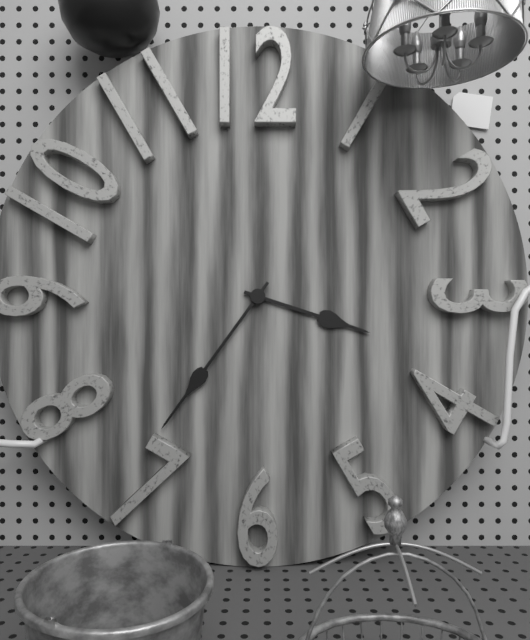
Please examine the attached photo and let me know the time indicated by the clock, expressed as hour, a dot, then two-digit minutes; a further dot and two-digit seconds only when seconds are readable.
3.36
